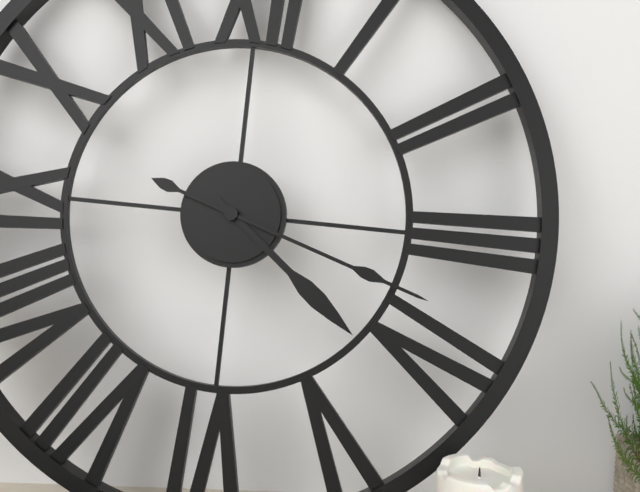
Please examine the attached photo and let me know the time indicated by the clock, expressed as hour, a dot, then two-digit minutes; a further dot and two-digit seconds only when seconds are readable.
4.18
